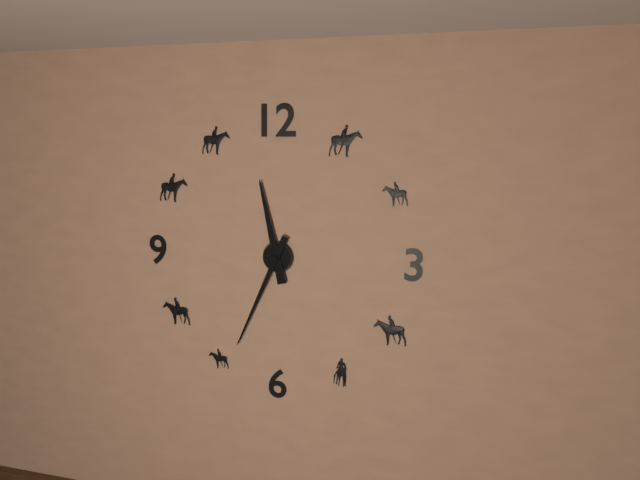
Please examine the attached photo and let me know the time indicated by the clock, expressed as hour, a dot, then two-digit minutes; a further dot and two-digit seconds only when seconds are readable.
11.34
